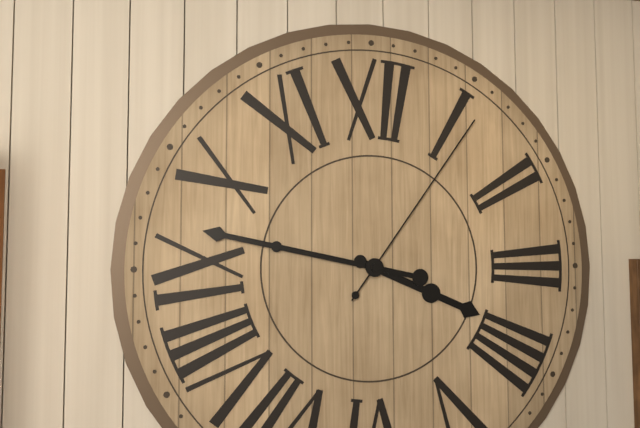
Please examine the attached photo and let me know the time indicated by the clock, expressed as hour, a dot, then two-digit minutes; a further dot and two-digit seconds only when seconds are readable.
3.47.06
